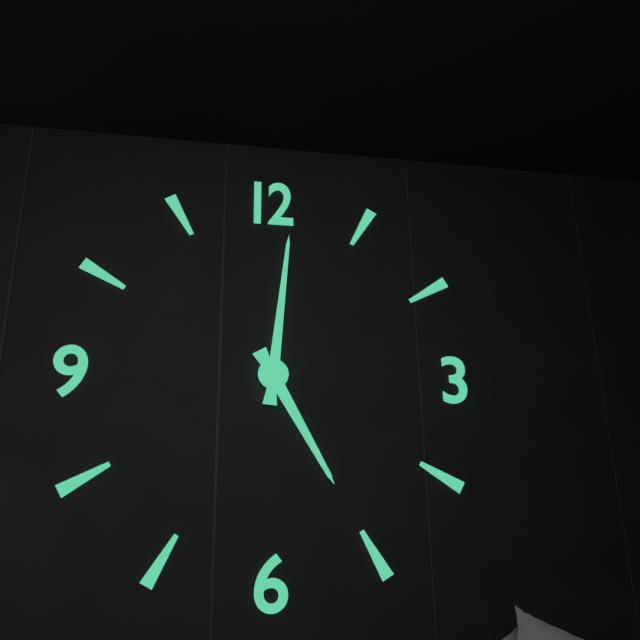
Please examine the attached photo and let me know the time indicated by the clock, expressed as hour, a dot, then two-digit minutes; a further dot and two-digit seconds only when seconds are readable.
5.01
